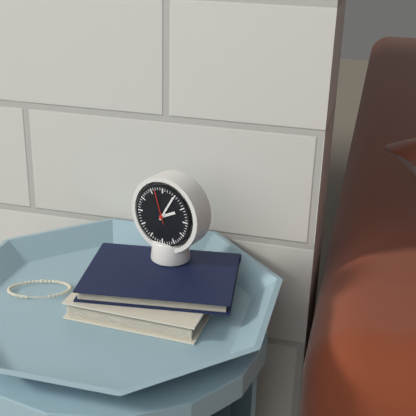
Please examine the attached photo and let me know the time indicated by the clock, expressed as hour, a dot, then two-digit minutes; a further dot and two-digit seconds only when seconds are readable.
2.05
